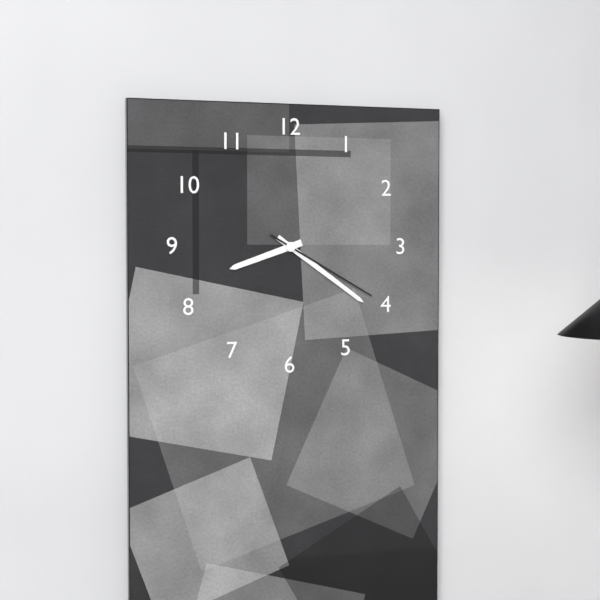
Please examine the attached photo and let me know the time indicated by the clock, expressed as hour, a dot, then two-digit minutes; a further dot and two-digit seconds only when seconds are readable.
8.21.20
